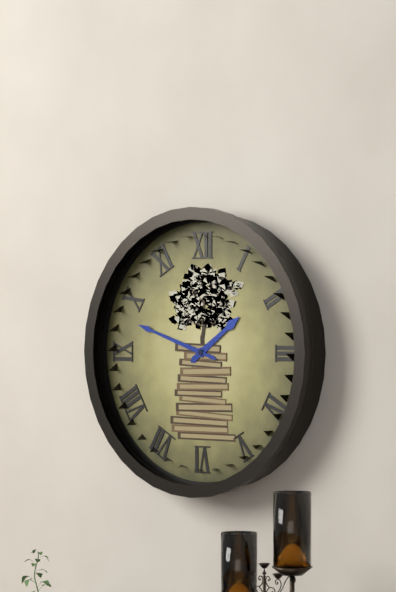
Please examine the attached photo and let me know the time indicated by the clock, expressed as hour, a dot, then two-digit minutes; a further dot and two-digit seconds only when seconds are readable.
1.48
